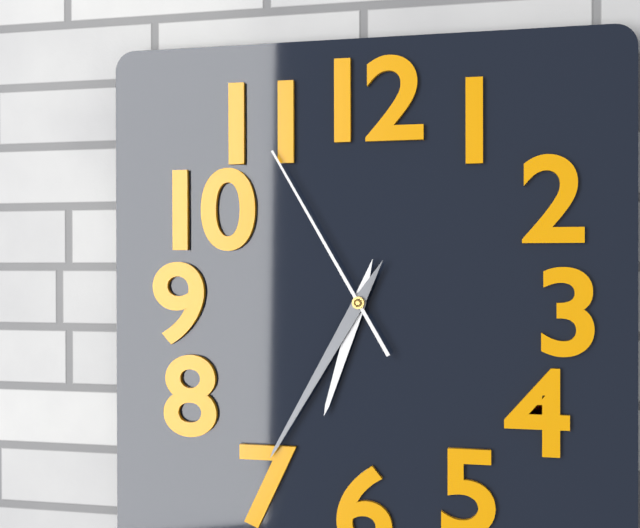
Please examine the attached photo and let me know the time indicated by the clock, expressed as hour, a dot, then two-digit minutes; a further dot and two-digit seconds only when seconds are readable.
6.35.55
